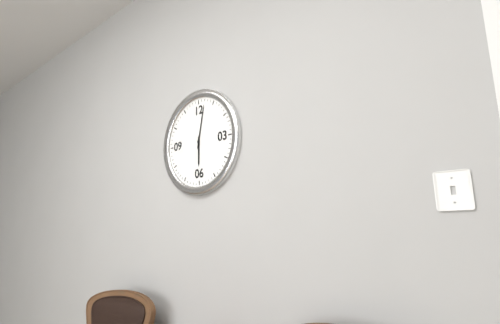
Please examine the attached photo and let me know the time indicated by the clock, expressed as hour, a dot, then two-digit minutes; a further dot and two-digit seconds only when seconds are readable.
6.02
